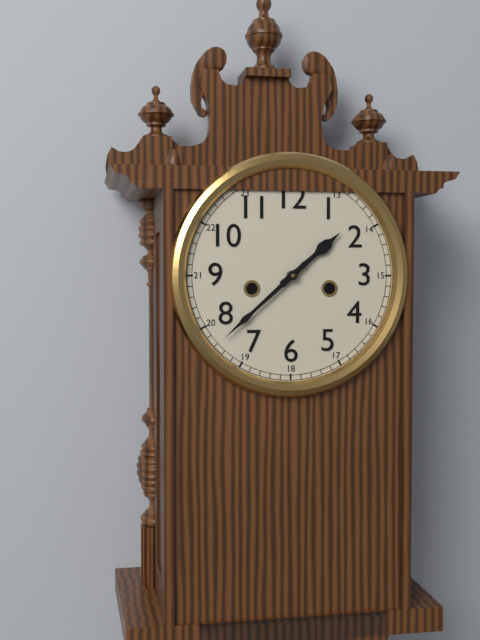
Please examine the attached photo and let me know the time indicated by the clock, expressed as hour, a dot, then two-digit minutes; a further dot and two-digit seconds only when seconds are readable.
1.38
